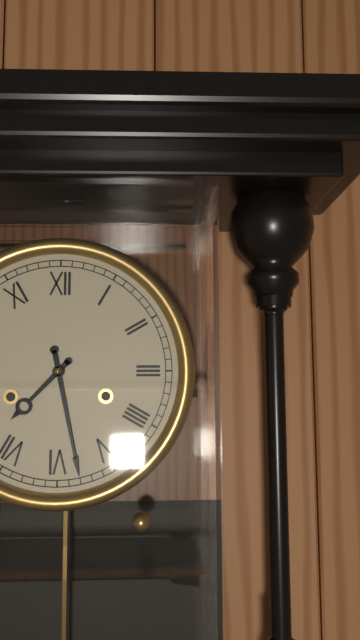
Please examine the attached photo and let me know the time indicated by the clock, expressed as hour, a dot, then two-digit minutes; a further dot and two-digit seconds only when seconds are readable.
7.28
